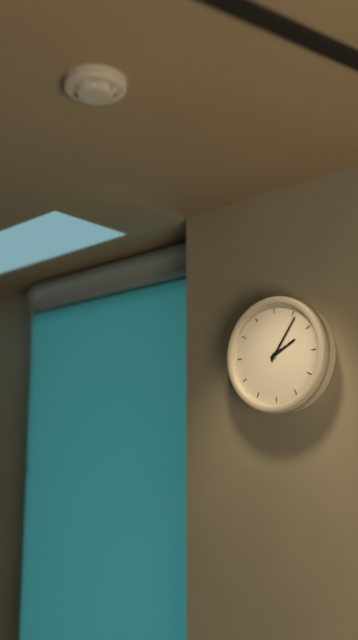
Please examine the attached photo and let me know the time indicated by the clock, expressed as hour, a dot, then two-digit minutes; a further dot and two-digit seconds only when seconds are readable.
2.06
